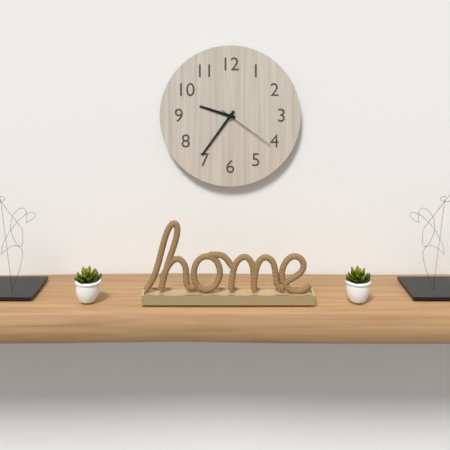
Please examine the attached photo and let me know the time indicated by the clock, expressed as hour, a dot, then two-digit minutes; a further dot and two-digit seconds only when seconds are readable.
9.36.21
